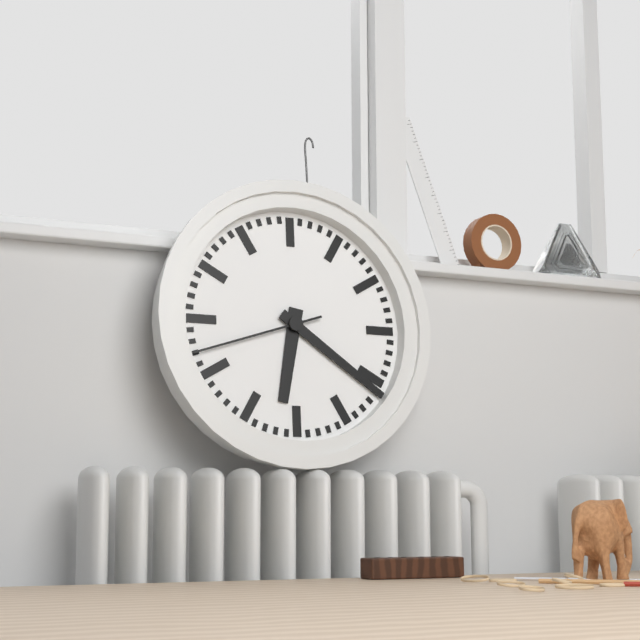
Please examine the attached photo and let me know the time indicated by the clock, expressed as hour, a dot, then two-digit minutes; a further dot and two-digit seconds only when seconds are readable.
6.21.42
